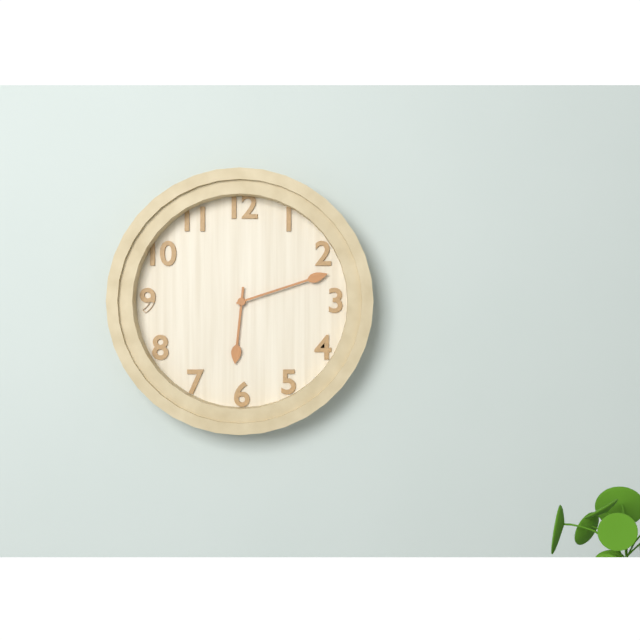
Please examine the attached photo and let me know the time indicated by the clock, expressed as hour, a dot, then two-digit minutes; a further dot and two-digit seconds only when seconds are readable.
6.12
